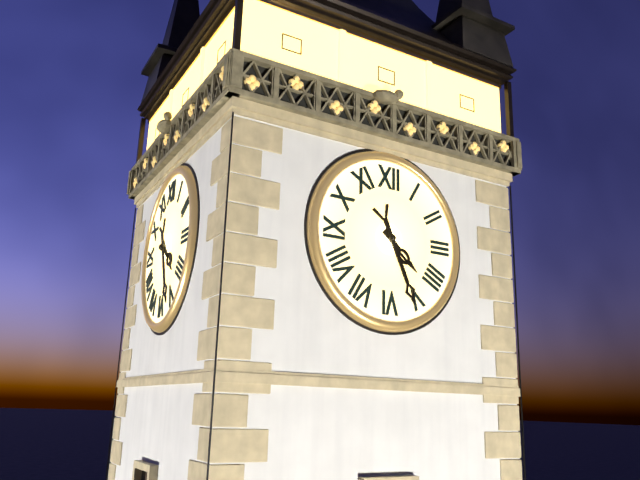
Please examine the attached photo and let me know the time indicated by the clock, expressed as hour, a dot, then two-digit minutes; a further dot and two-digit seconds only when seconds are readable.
4.26
